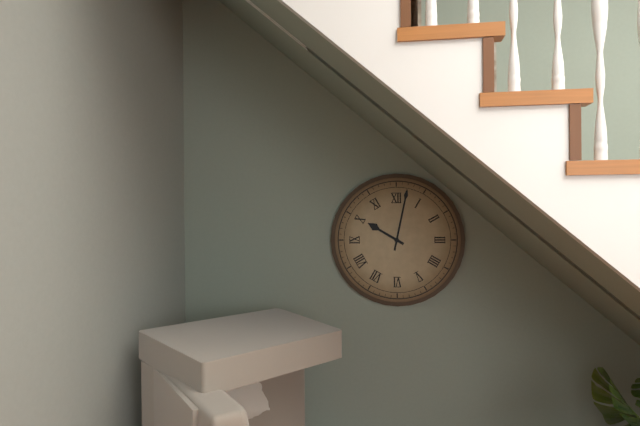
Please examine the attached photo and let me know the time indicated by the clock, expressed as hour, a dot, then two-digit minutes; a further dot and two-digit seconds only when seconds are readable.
10.02
